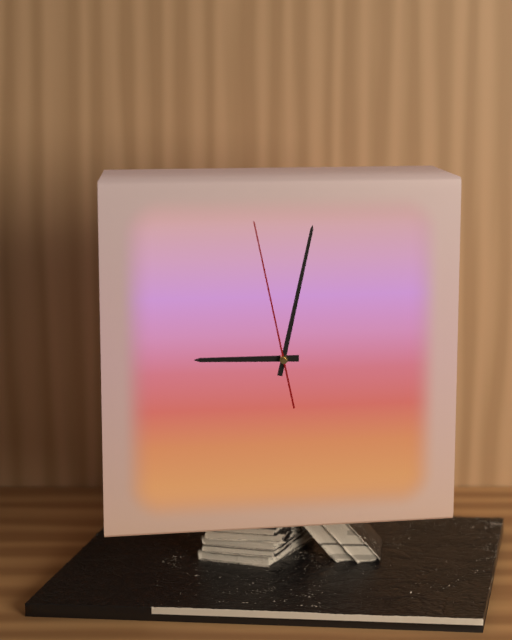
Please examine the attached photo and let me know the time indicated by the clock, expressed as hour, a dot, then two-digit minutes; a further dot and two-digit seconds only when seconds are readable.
9.02.58
